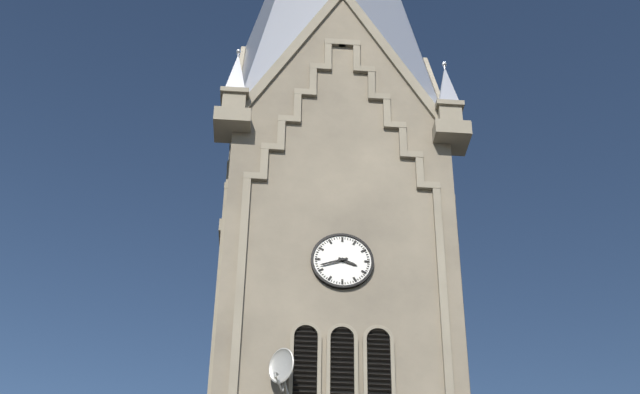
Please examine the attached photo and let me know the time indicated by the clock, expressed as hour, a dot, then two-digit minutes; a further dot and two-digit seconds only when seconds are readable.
3.42
